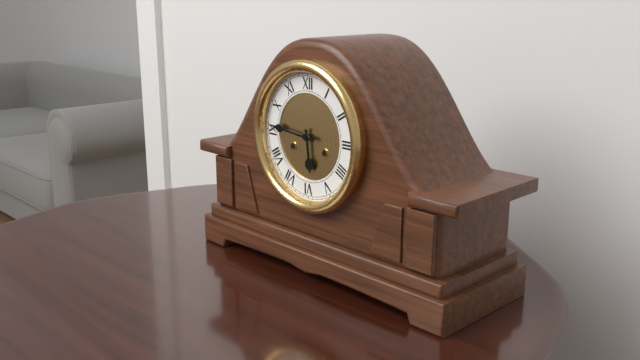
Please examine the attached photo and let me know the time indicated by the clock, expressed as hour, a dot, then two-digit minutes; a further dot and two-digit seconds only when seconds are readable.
5.46
